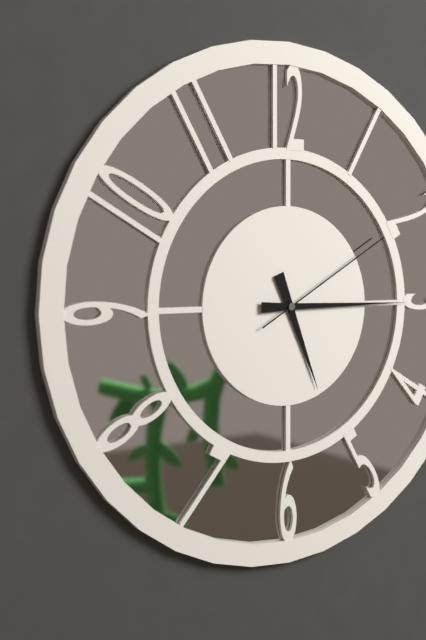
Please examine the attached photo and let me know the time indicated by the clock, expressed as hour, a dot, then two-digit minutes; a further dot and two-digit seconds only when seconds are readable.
5.15.10
